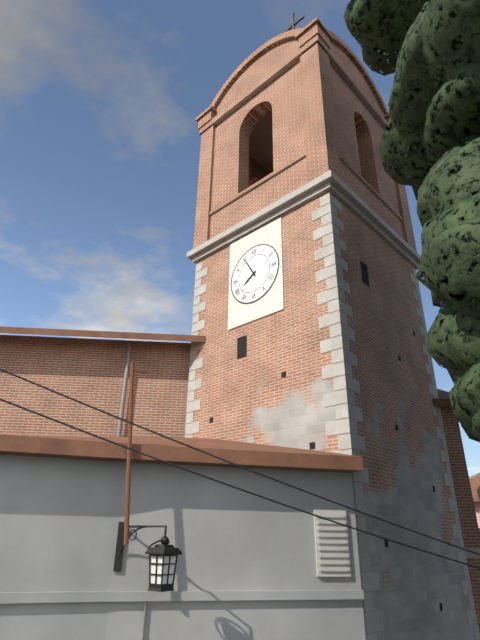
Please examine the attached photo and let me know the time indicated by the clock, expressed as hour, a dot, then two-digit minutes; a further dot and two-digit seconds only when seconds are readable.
7.55
